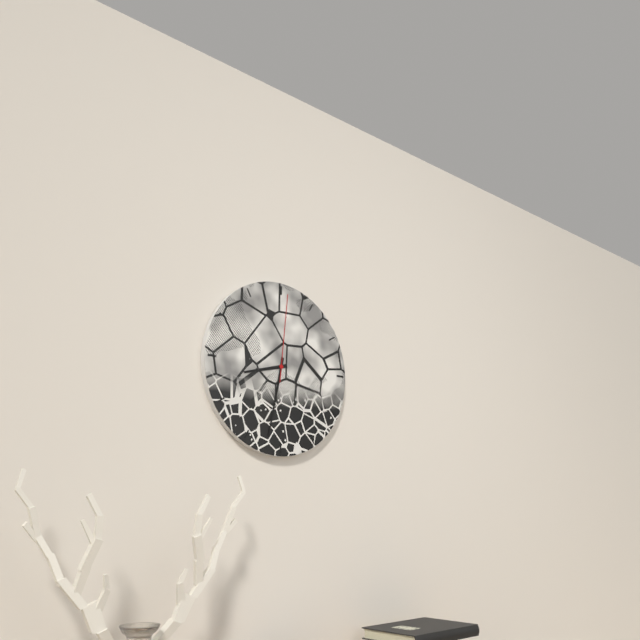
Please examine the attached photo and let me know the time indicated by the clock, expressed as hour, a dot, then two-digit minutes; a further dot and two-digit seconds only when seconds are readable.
8.32.01
